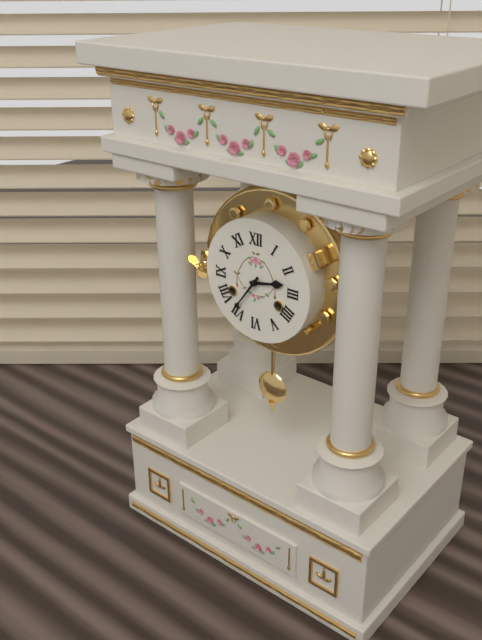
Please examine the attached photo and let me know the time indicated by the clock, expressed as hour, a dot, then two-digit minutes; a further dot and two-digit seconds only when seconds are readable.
2.36
